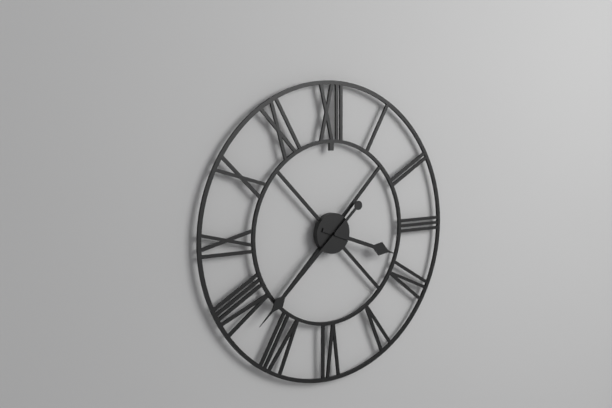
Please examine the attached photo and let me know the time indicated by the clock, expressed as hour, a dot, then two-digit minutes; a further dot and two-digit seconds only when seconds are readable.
3.38
